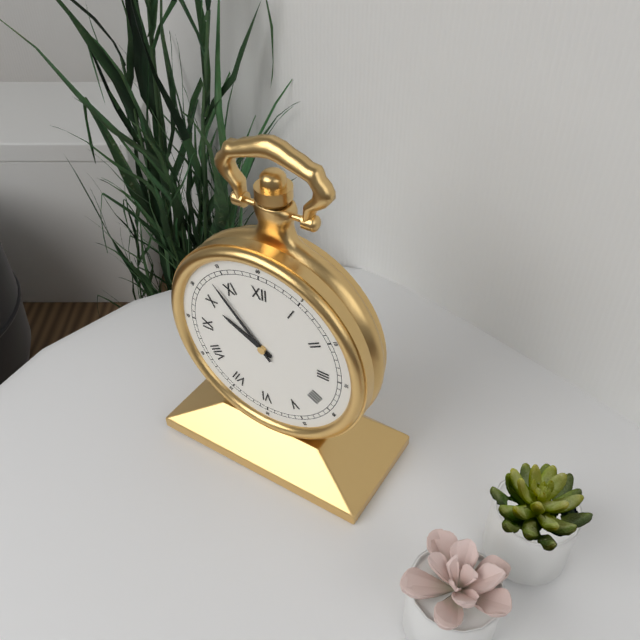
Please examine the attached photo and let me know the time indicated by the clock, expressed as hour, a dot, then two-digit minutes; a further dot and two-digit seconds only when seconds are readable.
9.53
